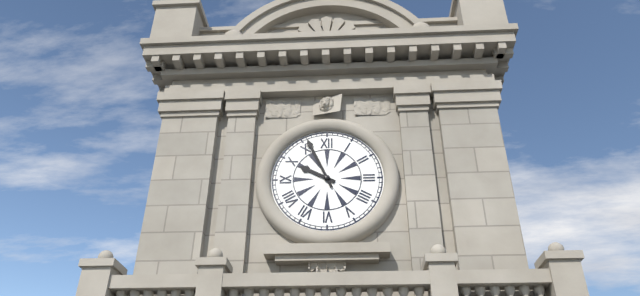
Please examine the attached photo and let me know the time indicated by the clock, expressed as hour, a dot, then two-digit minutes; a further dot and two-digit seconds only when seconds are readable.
9.56
